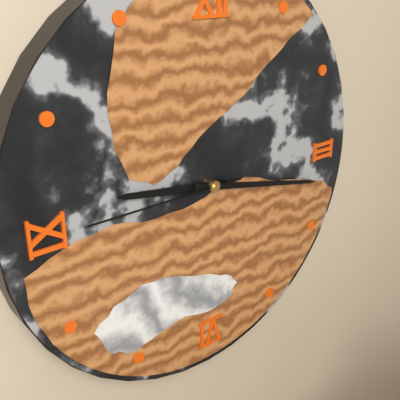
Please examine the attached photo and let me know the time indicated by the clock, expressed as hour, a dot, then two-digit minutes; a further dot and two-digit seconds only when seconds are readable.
9.17.45
